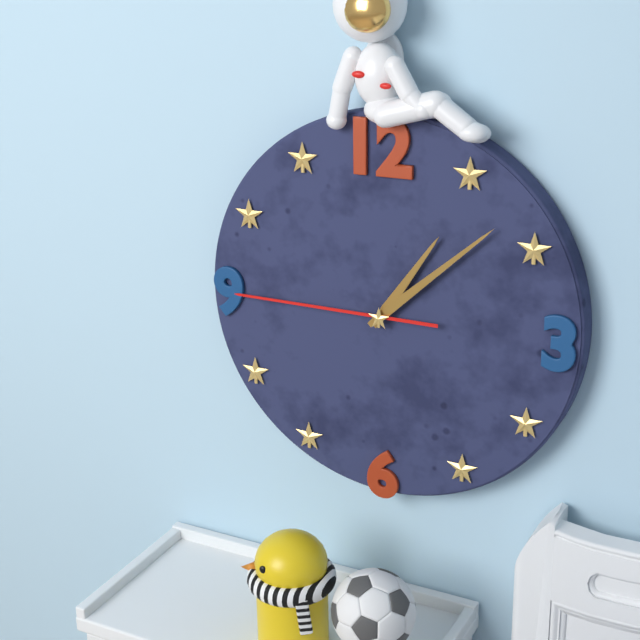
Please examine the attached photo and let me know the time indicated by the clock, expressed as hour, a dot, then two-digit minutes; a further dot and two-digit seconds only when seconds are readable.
1.08.45
